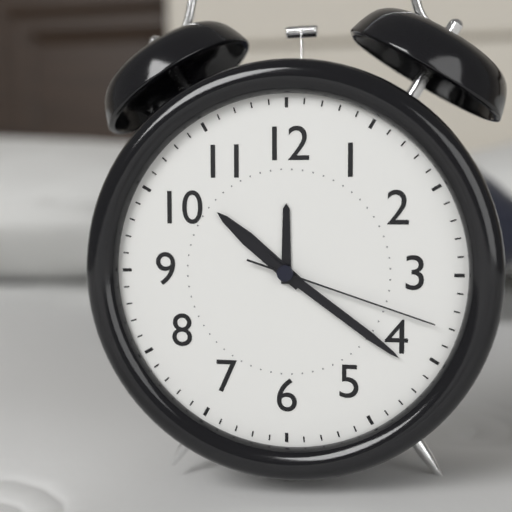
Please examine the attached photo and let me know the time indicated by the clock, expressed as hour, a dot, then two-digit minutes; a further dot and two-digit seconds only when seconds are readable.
10.21.18
